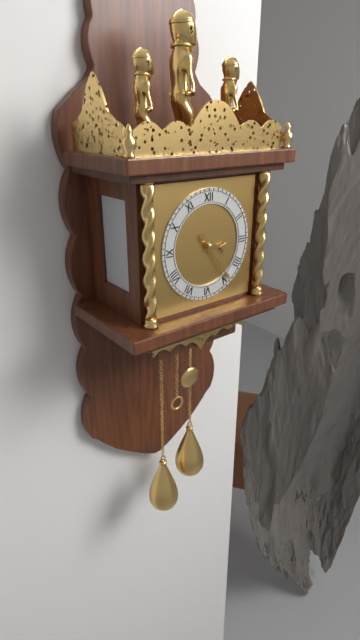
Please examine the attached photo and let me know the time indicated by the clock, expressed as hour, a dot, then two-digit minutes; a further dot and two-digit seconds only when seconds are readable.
3.24
